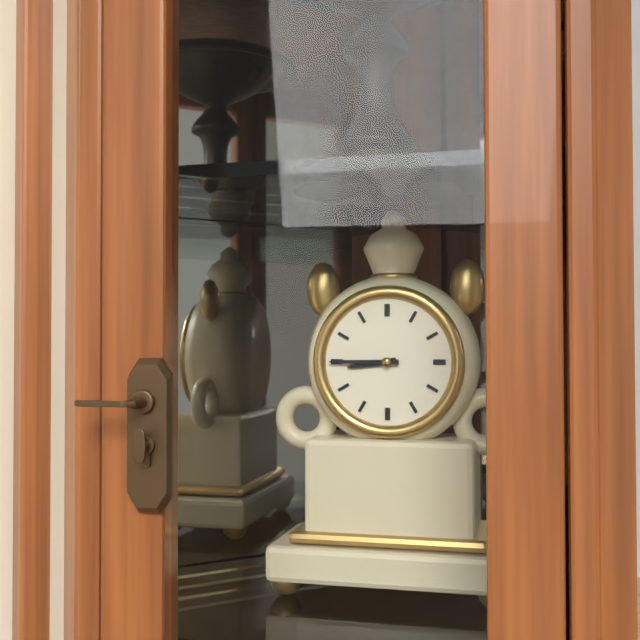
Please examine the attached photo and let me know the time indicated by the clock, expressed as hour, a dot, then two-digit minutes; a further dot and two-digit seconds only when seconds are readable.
8.45
